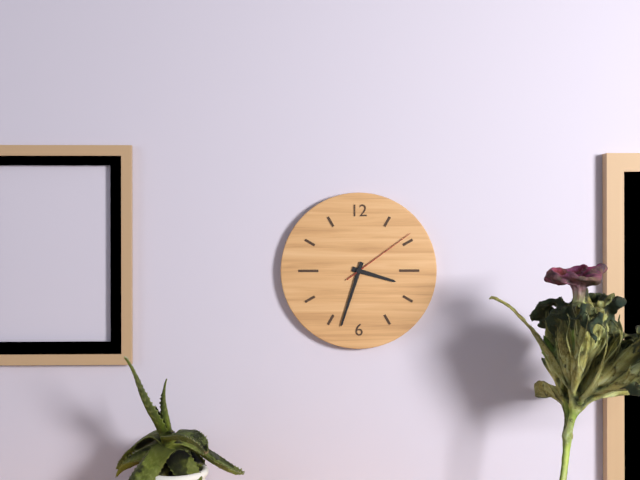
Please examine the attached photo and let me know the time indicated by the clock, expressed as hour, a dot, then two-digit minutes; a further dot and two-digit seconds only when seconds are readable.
3.33.09
